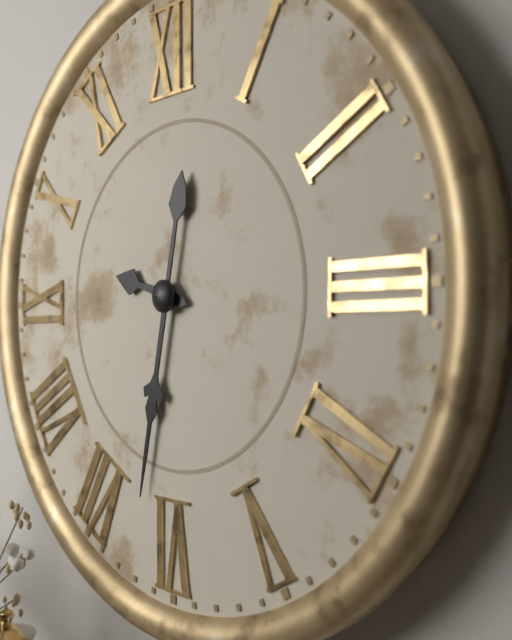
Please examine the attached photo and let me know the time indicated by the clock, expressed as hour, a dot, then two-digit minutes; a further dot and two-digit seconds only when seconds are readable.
9.32
